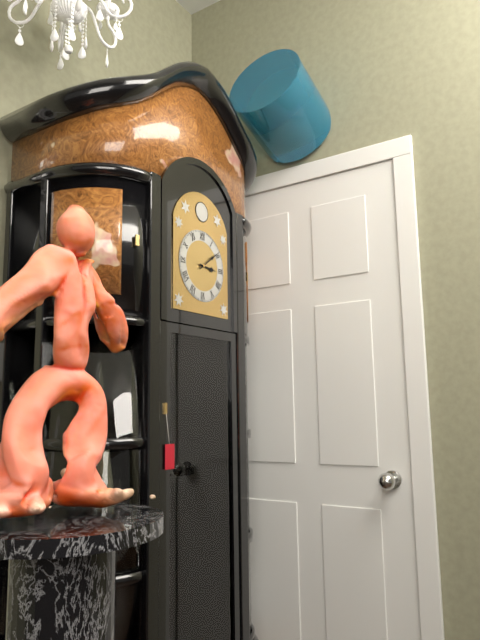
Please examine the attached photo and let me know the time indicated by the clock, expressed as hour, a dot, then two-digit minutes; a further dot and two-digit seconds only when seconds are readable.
3.09
